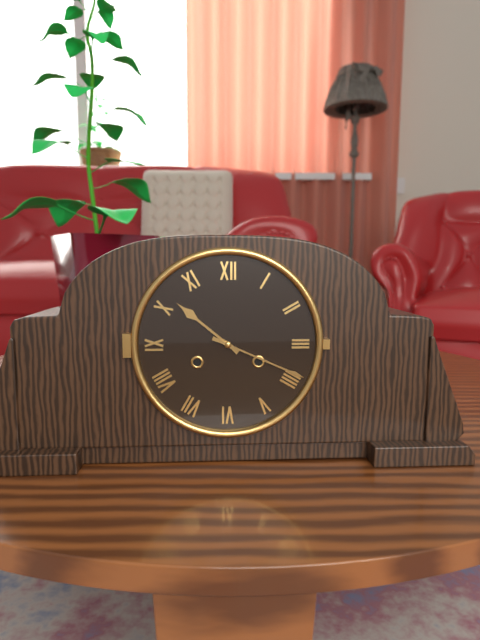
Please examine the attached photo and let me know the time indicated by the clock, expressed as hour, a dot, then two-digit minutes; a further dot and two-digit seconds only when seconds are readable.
10.19
